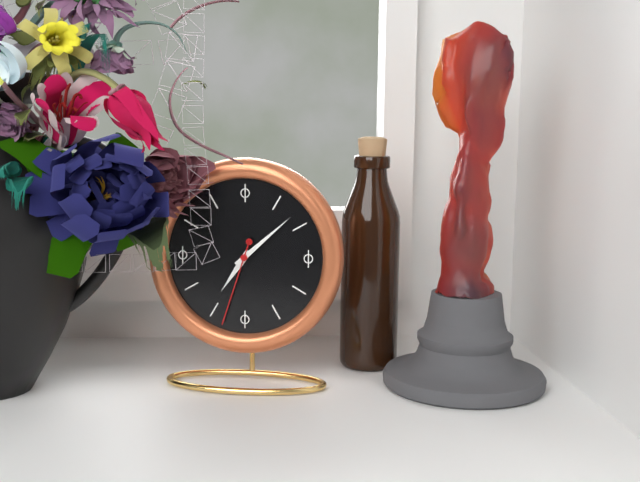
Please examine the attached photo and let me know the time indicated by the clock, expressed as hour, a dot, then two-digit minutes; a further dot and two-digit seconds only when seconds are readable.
7.08.33
